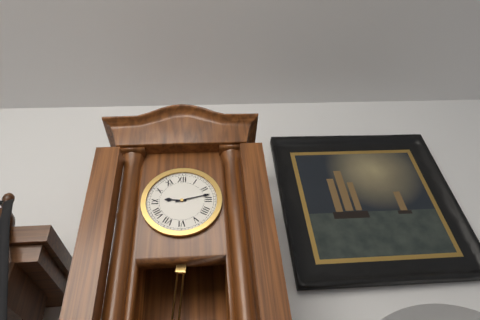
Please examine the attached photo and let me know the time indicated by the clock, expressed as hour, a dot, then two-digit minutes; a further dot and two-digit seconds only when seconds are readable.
9.13
